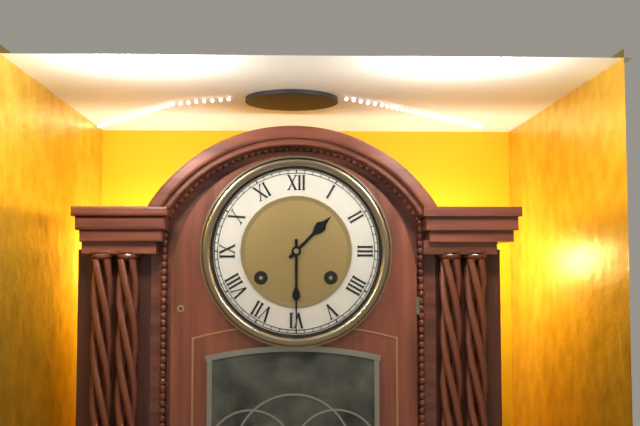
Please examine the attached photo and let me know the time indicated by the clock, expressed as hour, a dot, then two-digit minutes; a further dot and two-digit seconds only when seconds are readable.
1.30
